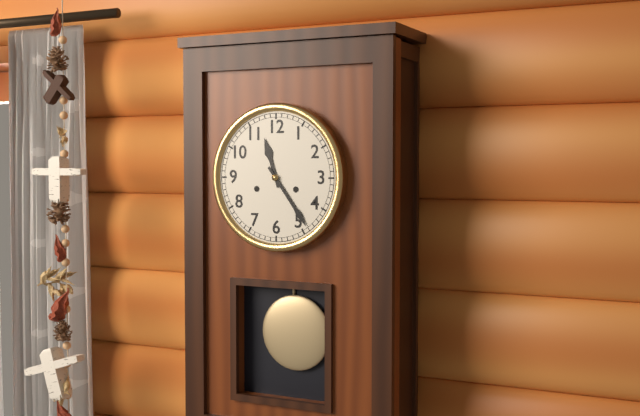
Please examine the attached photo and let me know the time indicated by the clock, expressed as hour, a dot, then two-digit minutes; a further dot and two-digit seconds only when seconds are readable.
11.24
